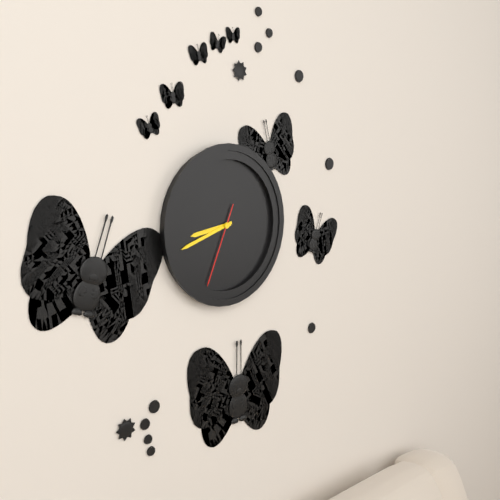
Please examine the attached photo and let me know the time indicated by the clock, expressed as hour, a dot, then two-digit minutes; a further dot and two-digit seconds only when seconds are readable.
8.42.34
